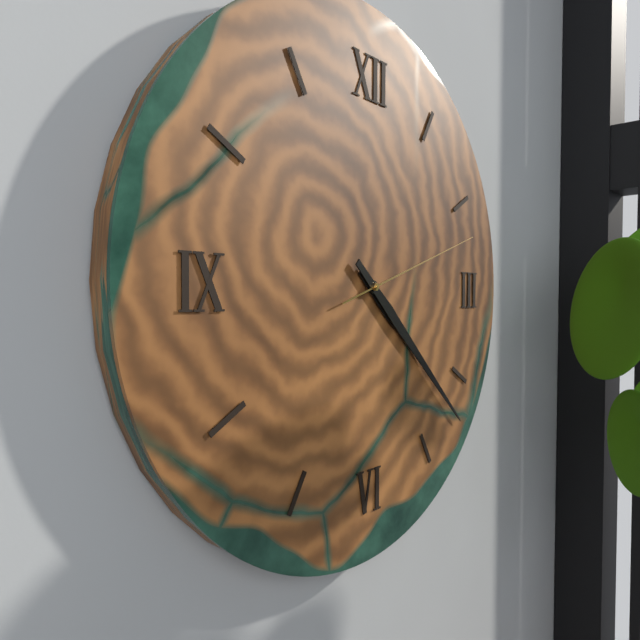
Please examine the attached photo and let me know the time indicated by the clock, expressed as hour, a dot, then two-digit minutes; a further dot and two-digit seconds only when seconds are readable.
4.22.12
